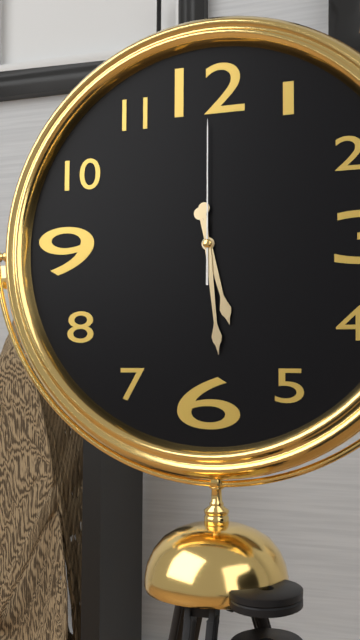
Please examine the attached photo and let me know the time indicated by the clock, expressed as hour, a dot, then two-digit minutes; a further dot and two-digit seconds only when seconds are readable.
5.29.00
